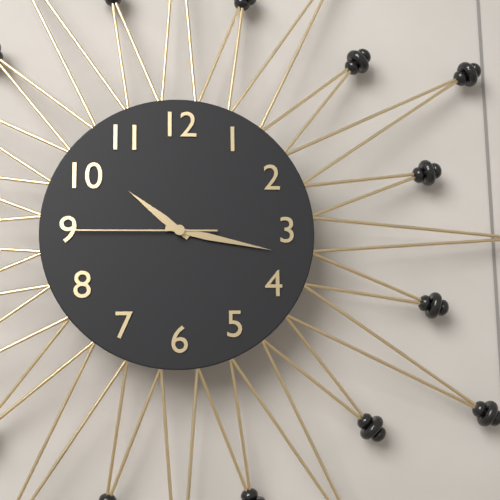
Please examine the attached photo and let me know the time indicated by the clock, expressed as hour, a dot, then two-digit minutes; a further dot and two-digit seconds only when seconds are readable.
10.17.45
